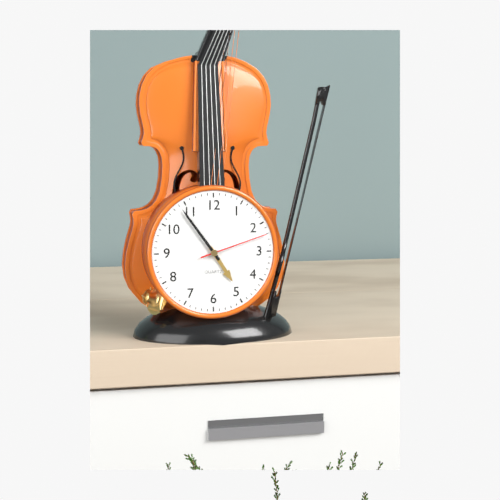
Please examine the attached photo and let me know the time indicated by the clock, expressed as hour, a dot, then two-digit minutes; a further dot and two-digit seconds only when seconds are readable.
4.54.12
